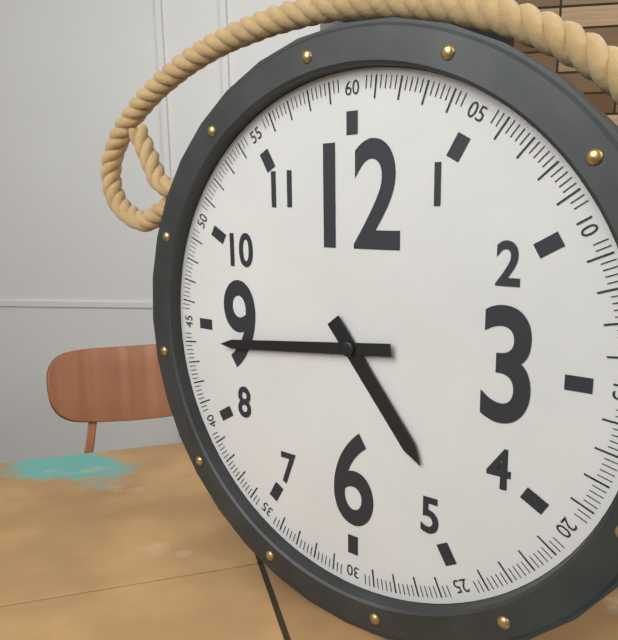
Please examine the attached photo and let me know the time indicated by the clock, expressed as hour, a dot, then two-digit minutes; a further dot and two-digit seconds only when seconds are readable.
4.44
